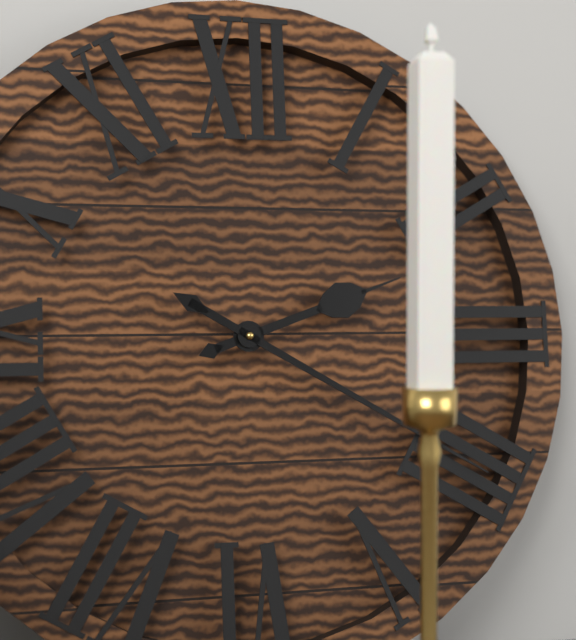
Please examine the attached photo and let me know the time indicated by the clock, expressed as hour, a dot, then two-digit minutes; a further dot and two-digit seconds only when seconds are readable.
2.20
